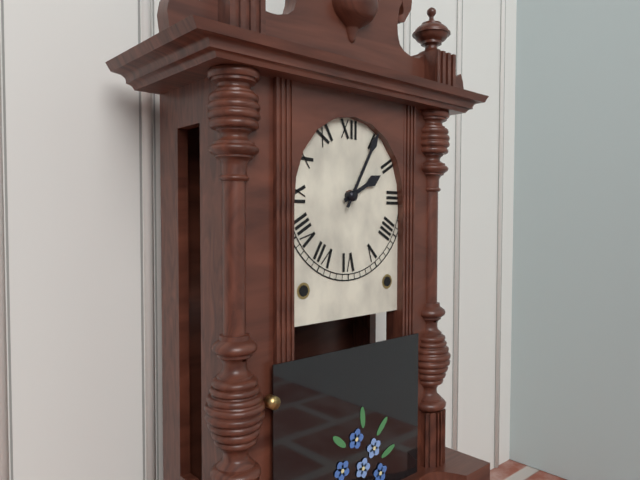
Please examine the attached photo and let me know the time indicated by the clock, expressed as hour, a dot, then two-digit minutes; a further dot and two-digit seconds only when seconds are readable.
2.05
